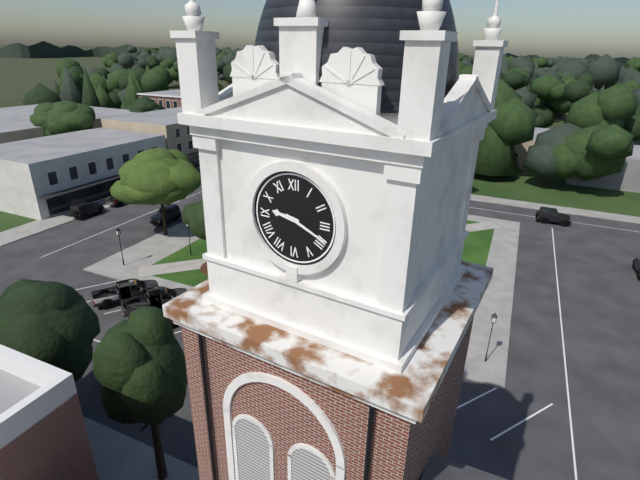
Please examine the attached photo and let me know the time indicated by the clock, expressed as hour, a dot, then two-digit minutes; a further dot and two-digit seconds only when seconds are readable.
9.19
